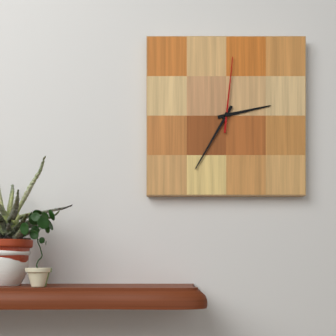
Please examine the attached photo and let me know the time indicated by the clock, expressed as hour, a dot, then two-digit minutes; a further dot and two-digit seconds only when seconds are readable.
2.35.01
